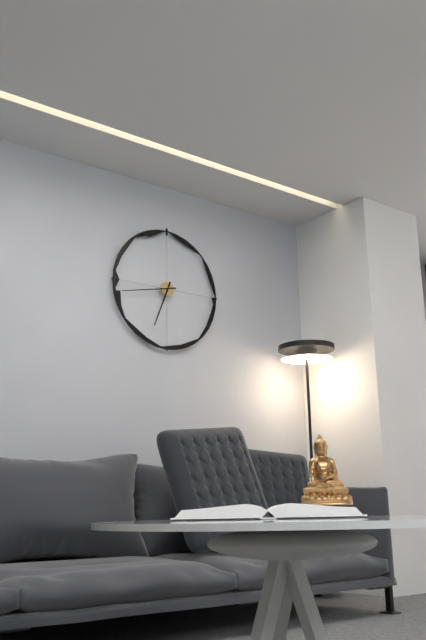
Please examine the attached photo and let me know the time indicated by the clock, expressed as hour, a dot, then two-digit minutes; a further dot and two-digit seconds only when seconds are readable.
6.43
